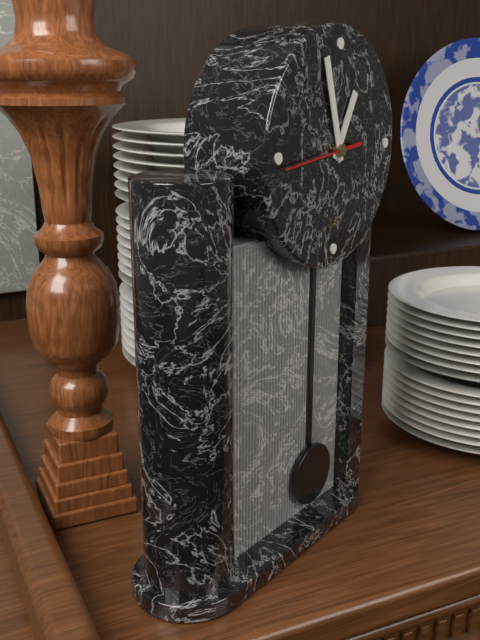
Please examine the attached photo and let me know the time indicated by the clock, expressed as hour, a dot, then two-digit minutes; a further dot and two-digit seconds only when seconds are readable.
12.57.44
